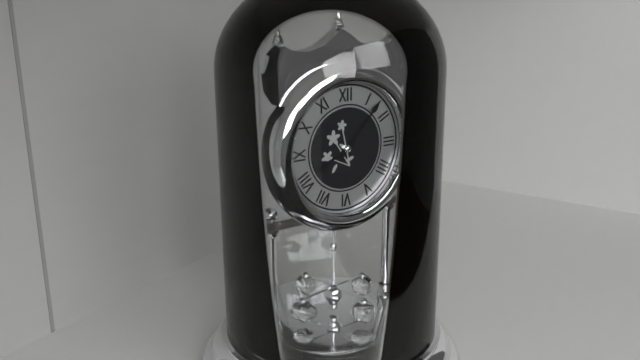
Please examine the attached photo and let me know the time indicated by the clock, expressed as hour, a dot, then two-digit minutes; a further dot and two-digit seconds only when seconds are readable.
8.07
